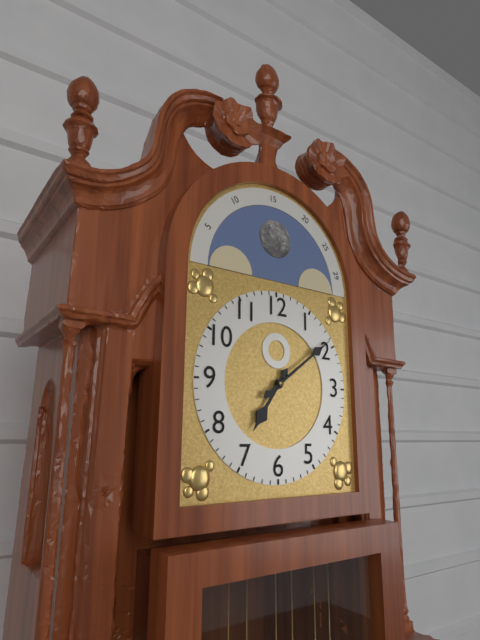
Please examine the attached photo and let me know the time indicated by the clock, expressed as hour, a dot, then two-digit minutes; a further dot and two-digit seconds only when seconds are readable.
7.09
